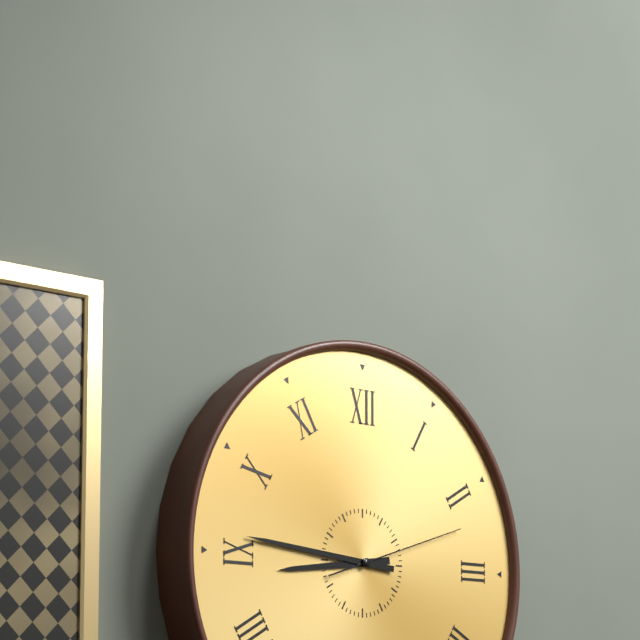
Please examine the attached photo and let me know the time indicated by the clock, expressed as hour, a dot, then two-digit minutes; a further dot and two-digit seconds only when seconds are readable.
8.46.12
